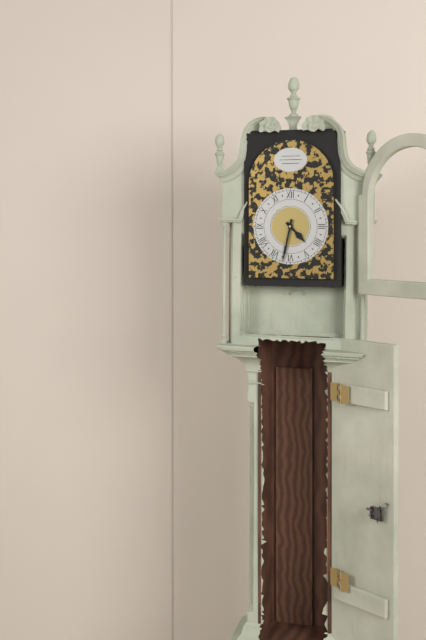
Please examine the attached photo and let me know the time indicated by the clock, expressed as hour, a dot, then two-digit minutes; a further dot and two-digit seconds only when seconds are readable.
4.32
